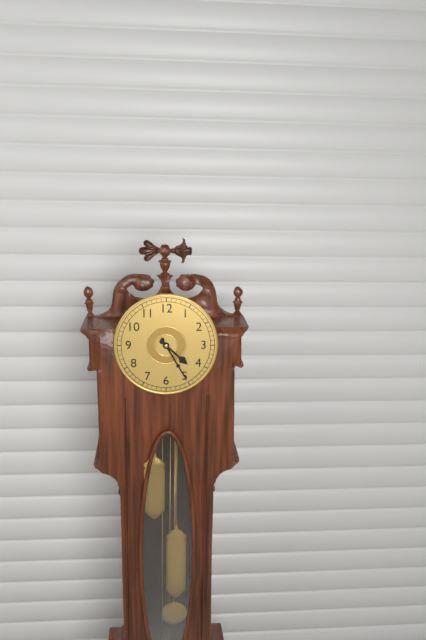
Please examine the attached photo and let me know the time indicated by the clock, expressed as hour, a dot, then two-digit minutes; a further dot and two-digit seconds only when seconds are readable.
4.25
